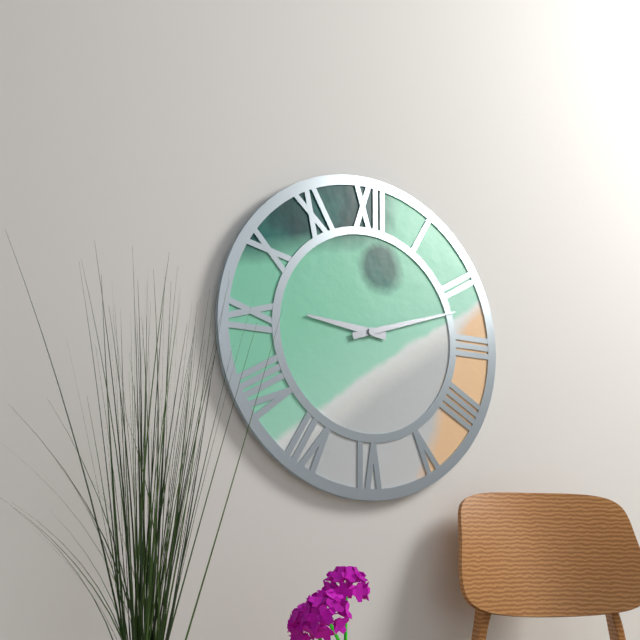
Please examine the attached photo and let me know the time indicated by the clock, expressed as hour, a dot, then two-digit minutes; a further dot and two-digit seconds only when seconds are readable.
9.12
